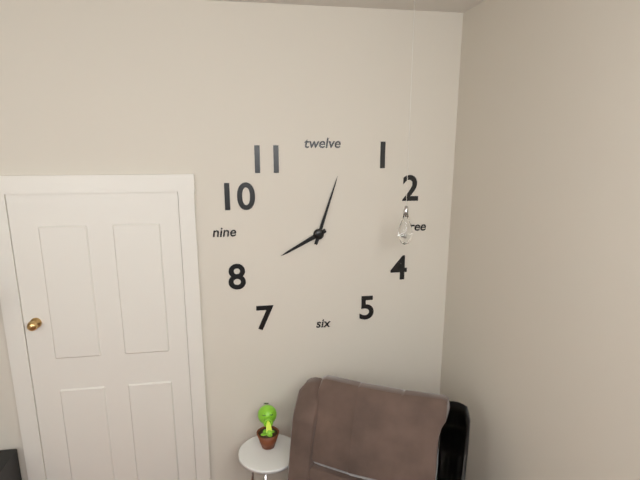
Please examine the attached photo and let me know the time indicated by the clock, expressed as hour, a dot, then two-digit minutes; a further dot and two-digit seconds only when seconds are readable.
8.03
